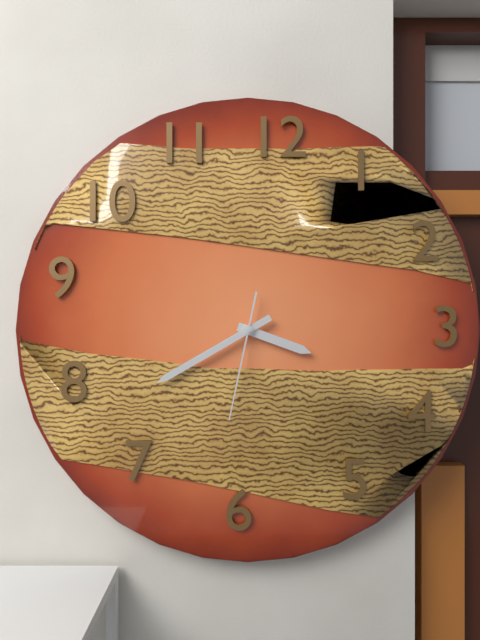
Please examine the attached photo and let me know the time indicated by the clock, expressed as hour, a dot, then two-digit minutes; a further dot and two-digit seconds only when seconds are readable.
3.40.32
